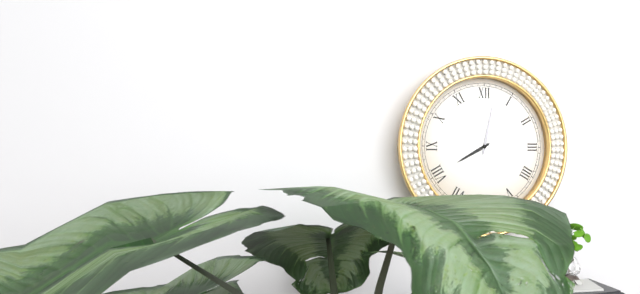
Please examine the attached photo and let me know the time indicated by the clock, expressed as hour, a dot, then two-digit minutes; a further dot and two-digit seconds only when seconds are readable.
8.02
